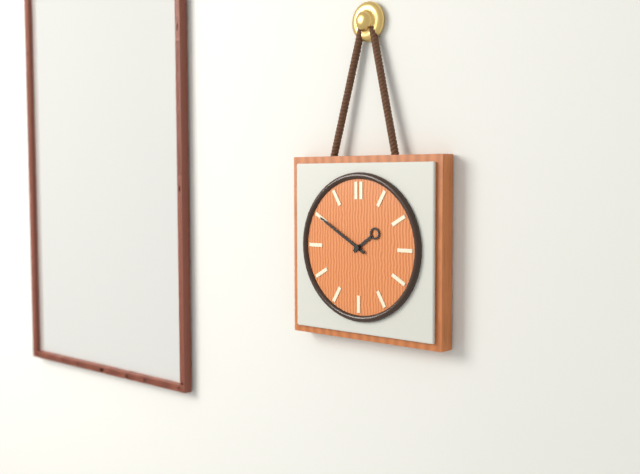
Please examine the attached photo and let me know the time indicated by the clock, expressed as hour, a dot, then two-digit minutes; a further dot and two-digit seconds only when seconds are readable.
1.50
